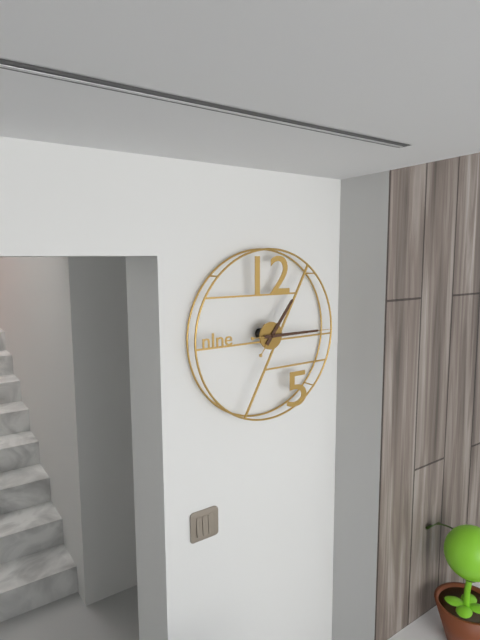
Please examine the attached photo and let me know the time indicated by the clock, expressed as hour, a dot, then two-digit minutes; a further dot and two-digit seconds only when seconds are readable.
1.15
